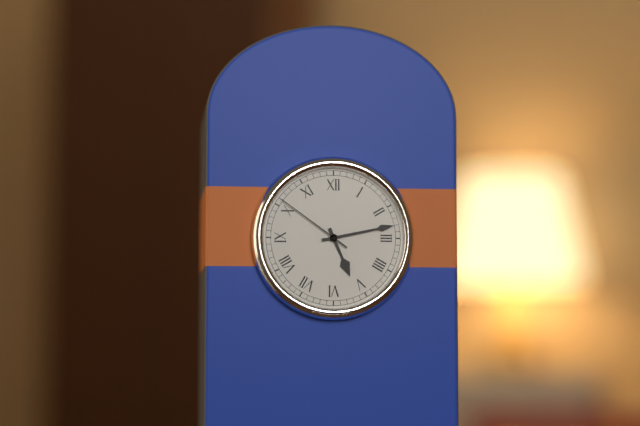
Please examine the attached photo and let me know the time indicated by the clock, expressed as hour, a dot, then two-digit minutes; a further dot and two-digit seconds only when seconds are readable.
5.13.51
